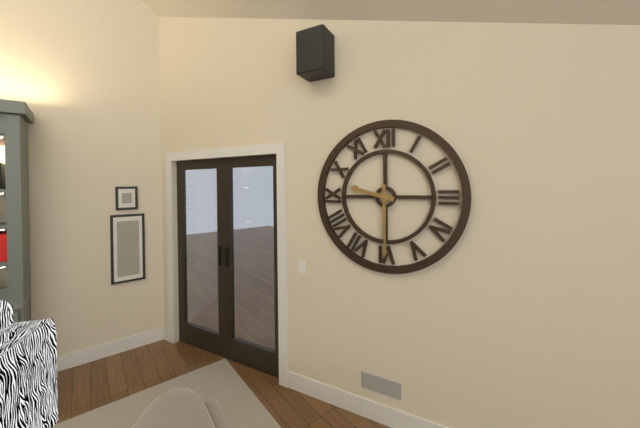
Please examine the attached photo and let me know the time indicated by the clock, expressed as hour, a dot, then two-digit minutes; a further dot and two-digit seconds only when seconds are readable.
9.30
